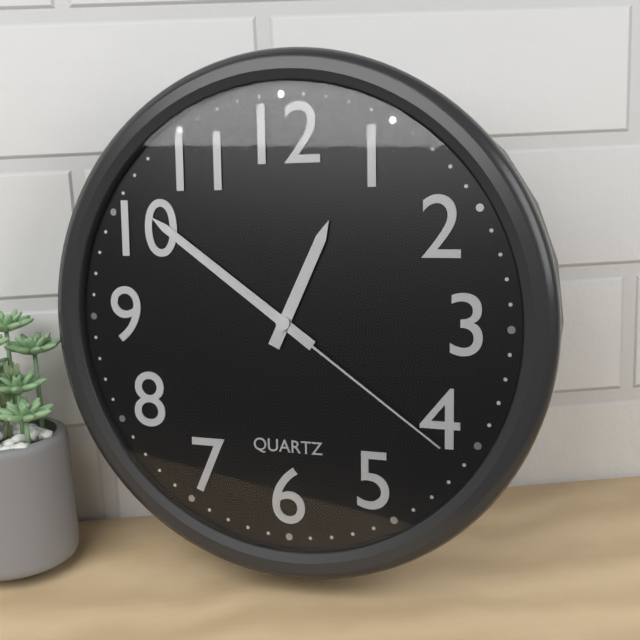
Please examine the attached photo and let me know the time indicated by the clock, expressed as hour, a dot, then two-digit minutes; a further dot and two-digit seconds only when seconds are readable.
12.51.21
